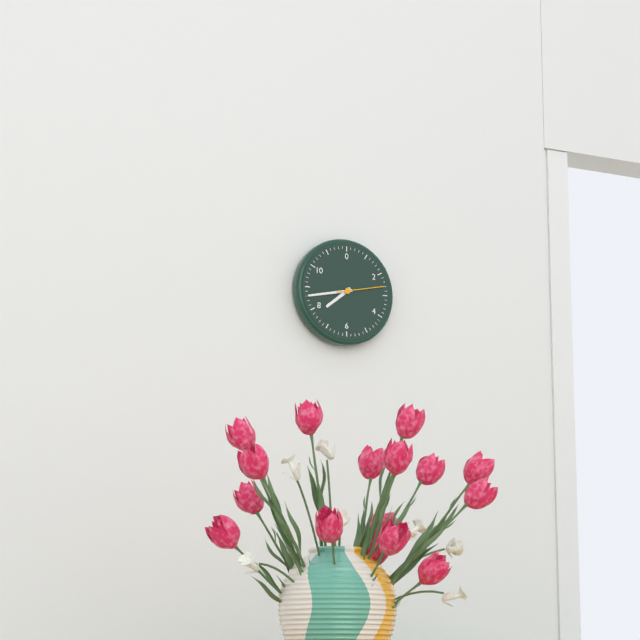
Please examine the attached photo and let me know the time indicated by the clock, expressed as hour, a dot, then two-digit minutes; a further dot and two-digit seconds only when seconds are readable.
7.43.13
